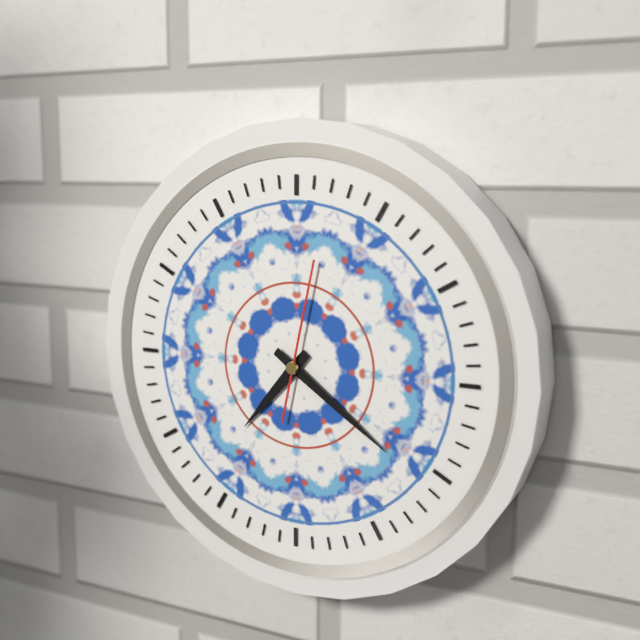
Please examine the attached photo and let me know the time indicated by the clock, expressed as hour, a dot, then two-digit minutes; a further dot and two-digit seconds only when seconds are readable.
7.21.02
